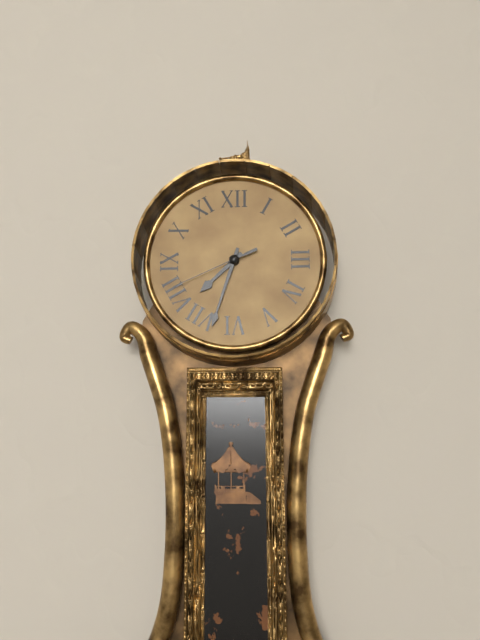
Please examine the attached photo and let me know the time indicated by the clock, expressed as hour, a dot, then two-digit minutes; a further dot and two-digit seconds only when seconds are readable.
7.33.41
